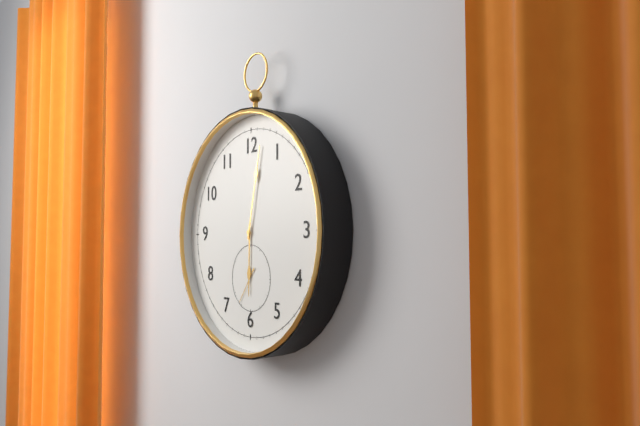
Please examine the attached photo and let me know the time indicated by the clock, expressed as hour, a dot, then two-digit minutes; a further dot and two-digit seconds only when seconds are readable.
6.02
